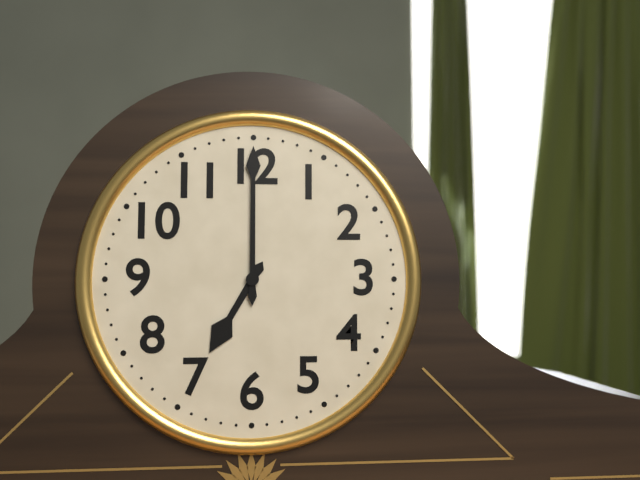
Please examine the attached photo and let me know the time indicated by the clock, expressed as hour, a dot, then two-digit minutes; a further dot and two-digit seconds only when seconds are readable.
7.00
